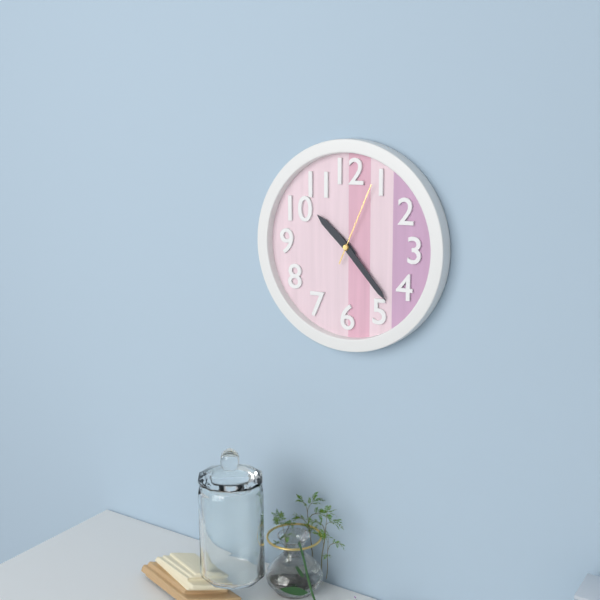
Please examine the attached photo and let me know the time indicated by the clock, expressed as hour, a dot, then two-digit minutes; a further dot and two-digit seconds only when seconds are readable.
10.23.04
